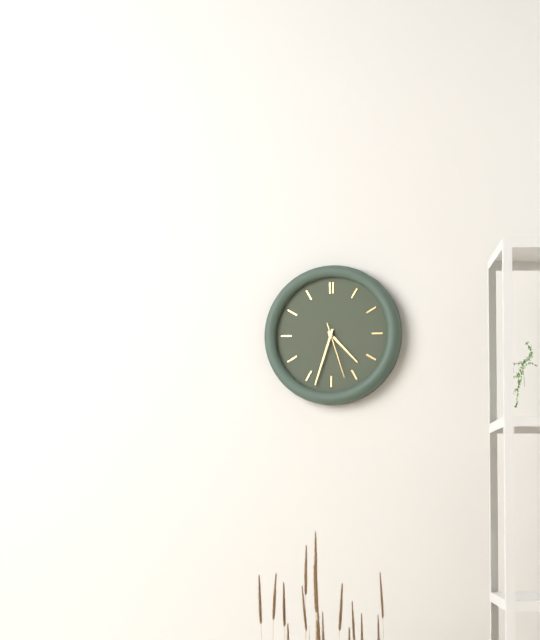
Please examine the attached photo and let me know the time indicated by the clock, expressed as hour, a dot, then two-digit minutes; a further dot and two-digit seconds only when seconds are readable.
4.33.27
